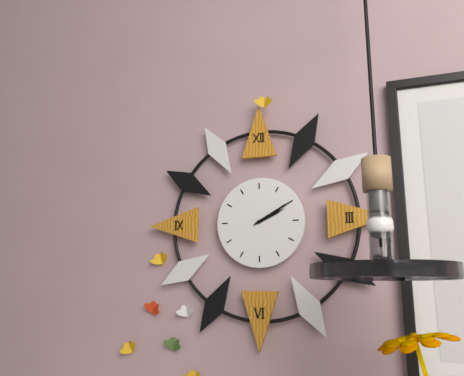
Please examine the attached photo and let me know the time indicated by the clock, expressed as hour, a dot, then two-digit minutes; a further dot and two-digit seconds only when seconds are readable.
2.10
